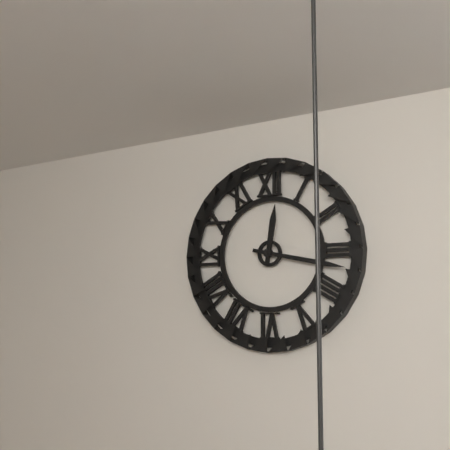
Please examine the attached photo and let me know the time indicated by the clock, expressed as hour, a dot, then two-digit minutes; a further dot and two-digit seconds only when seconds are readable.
12.17
